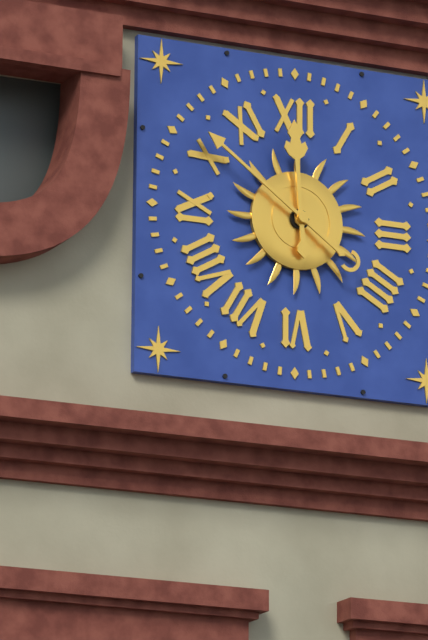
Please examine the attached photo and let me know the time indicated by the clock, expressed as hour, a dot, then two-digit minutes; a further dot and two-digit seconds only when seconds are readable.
11.51
